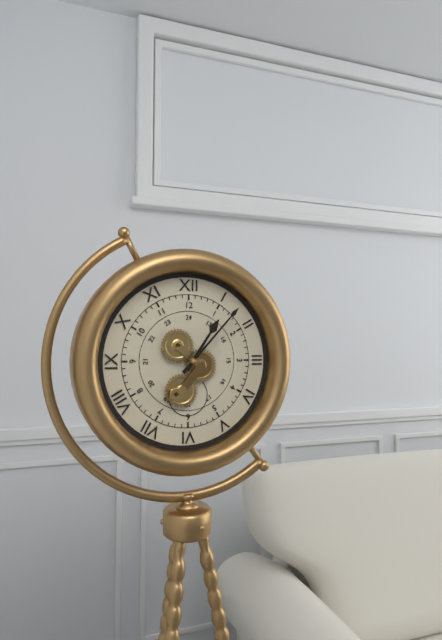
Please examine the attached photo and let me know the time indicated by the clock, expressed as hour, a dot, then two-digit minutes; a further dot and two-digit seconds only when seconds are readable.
1.07
